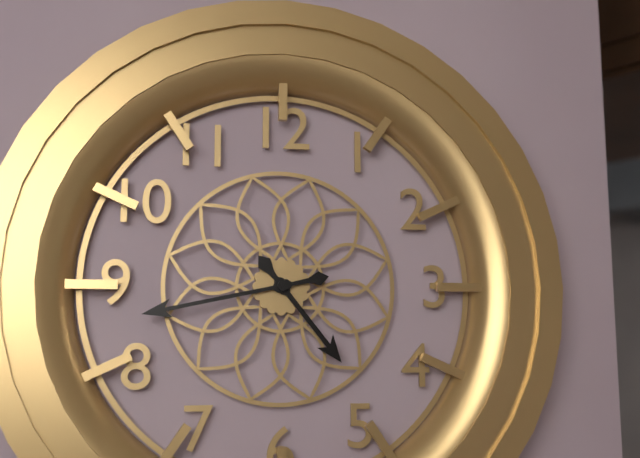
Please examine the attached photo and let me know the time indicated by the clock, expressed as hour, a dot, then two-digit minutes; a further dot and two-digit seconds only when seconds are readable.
4.43
